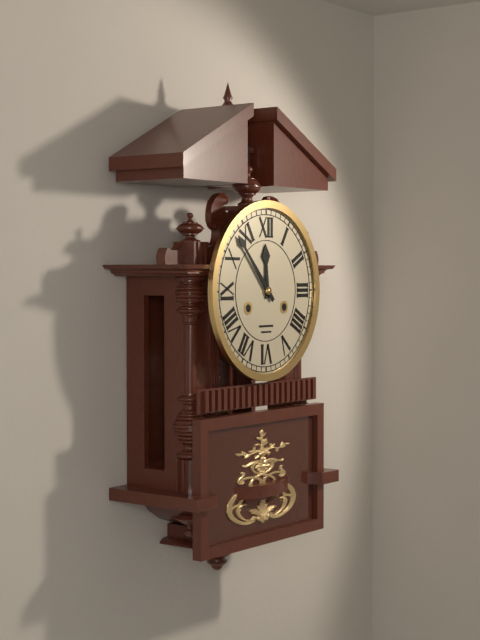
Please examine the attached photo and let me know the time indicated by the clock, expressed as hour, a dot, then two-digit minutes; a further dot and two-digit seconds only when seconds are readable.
11.53
